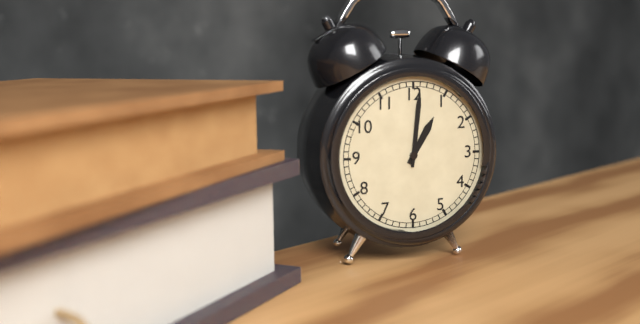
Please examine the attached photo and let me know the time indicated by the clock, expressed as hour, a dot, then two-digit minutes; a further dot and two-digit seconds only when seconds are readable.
1.01
